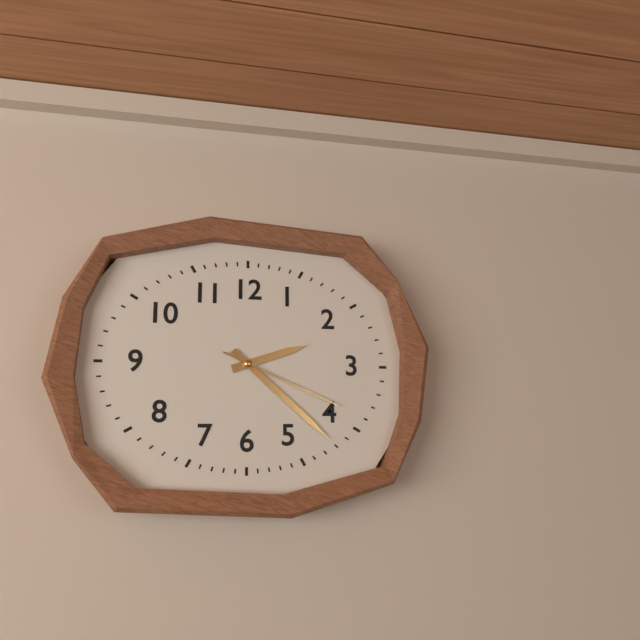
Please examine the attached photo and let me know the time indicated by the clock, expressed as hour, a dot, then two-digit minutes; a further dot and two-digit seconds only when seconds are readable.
2.22.19
